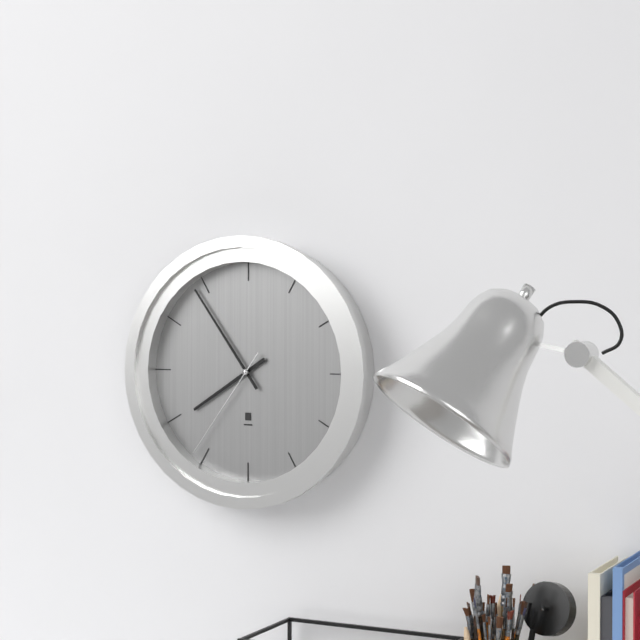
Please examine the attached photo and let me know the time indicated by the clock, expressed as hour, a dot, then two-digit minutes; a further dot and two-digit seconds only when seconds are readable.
7.54.36
